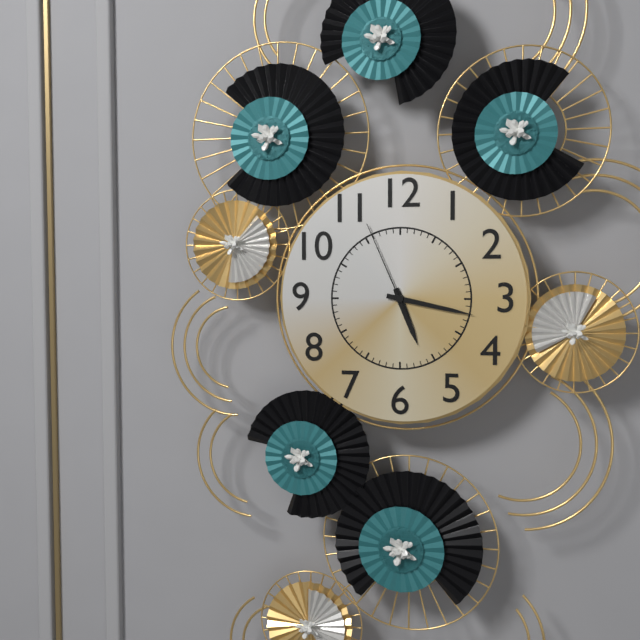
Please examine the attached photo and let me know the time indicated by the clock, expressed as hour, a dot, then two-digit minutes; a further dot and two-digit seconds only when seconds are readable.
5.17.56
